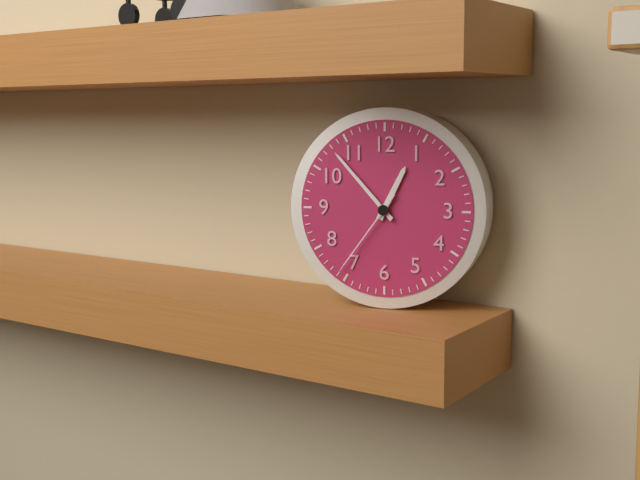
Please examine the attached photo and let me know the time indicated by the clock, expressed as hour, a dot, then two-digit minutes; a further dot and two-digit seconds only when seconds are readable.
12.53.36
